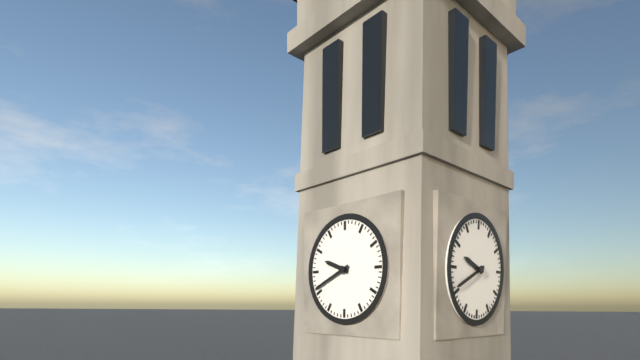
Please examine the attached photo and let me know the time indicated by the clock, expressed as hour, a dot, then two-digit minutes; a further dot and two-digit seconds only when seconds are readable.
9.41
